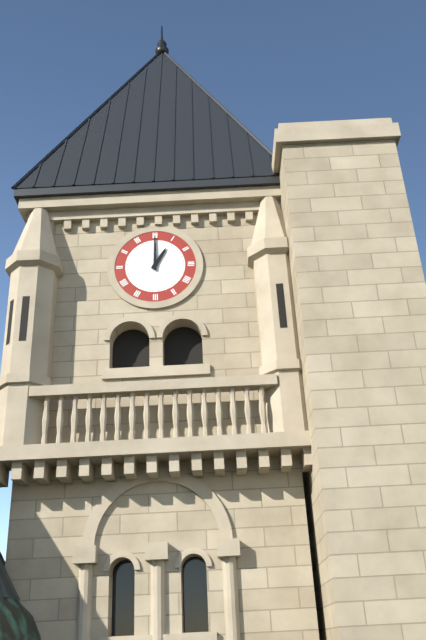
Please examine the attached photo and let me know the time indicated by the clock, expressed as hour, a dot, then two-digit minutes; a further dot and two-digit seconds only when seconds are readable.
1.00
